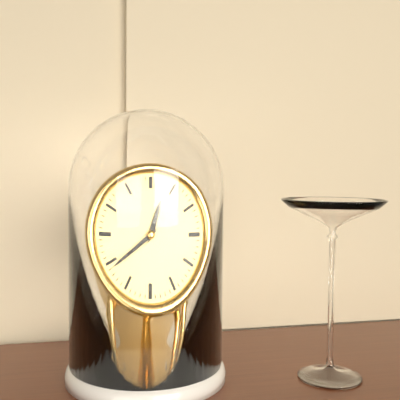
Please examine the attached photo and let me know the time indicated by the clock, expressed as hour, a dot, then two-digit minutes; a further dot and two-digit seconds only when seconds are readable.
12.39
